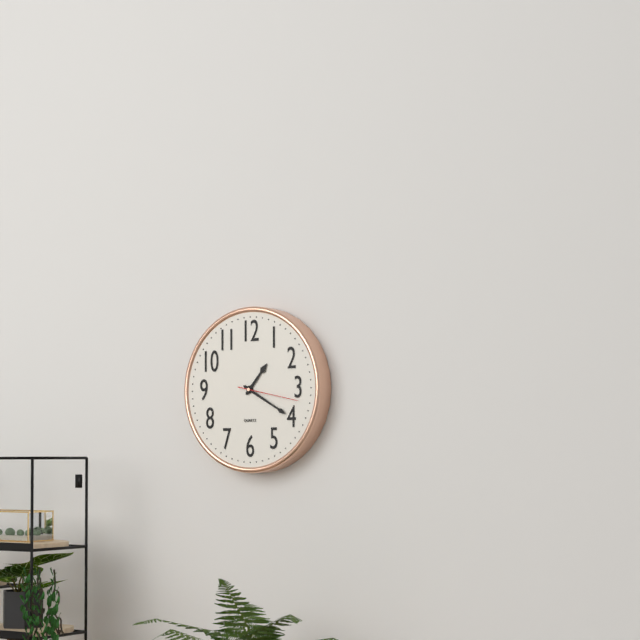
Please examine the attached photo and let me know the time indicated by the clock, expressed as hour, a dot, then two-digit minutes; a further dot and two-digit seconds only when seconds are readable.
1.20.17
